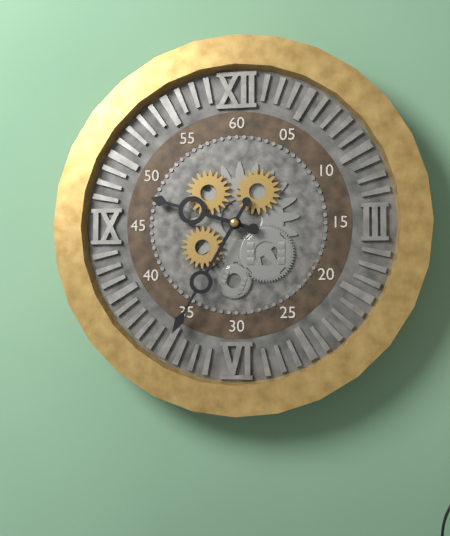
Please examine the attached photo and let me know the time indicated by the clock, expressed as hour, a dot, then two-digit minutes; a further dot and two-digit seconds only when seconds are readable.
9.35
